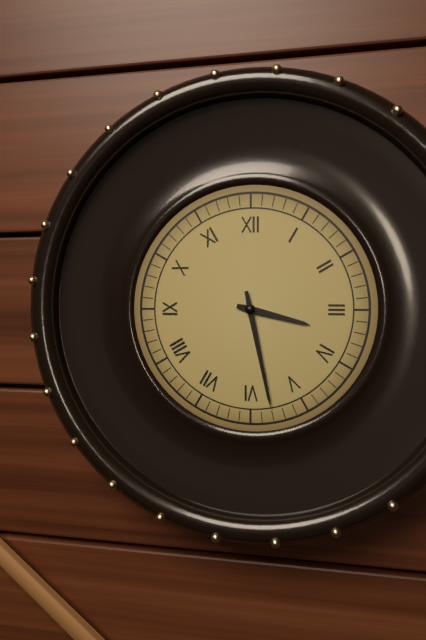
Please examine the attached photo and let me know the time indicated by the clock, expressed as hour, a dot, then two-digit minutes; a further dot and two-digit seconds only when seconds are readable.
3.28
